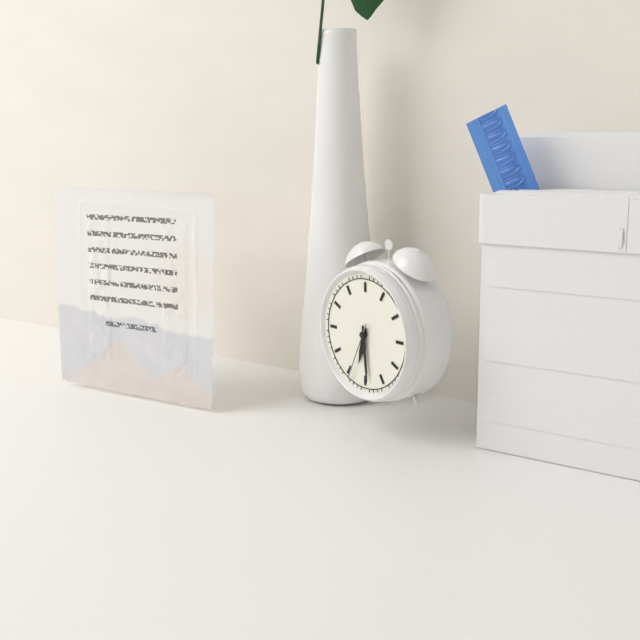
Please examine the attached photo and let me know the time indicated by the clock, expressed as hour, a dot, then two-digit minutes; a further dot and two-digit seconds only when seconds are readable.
6.29.34
